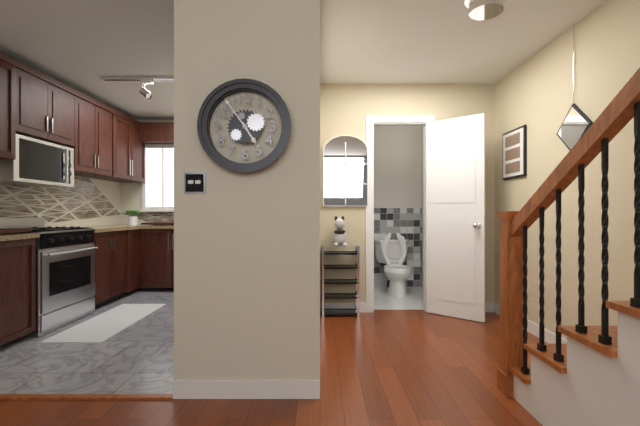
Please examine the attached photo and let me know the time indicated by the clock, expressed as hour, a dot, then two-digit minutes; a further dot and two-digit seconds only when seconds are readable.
4.54
